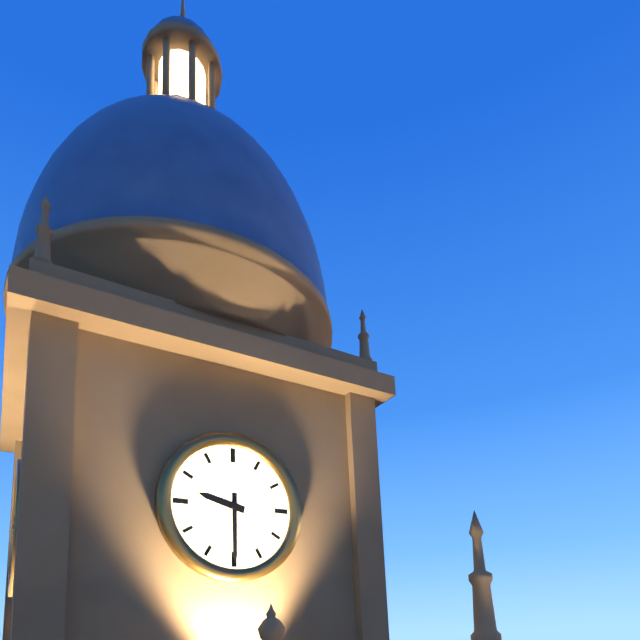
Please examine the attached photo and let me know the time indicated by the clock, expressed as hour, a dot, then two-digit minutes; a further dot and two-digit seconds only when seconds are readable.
9.30
